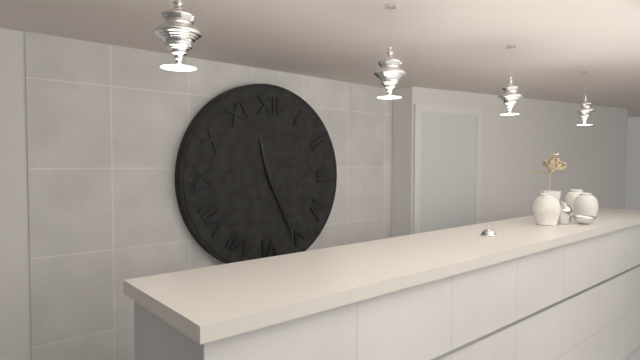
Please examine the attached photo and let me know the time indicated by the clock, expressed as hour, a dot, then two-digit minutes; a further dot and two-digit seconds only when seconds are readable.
11.26
